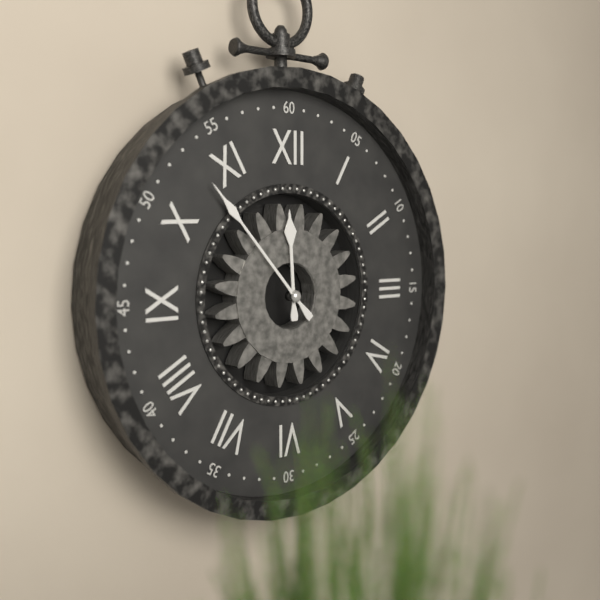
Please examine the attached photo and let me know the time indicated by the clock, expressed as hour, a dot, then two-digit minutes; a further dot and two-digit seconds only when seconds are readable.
11.53
